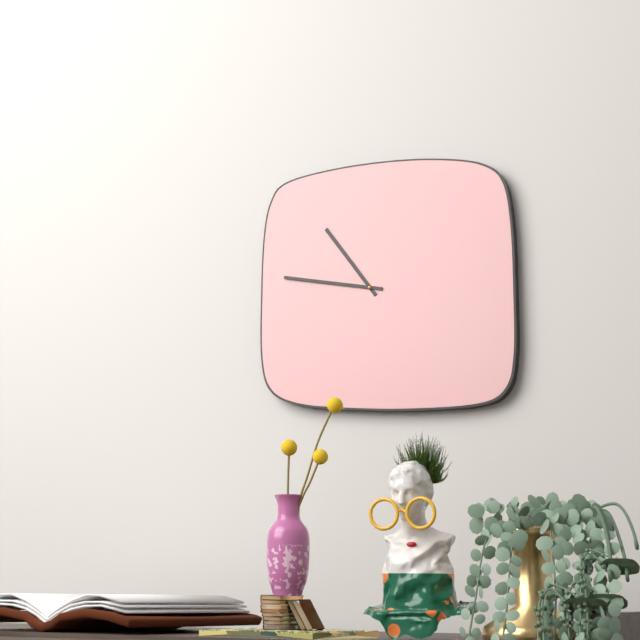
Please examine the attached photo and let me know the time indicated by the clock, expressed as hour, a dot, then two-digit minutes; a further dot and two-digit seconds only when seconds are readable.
10.47
